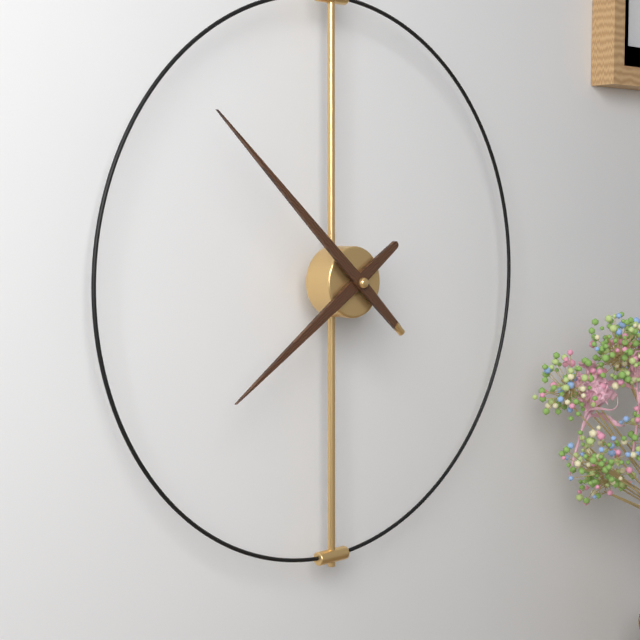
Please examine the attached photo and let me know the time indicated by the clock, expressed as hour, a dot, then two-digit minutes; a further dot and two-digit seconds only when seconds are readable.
7.52
